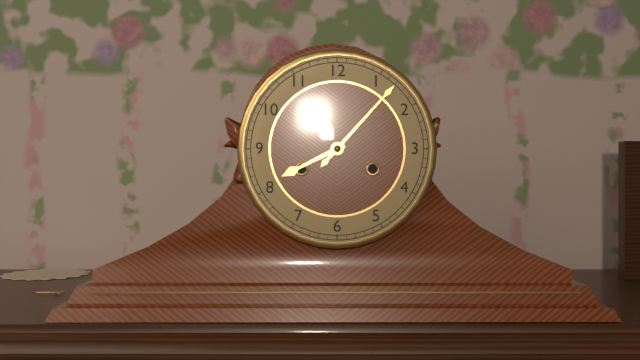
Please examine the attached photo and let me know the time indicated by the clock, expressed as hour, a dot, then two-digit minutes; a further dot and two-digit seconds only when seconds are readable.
8.07
